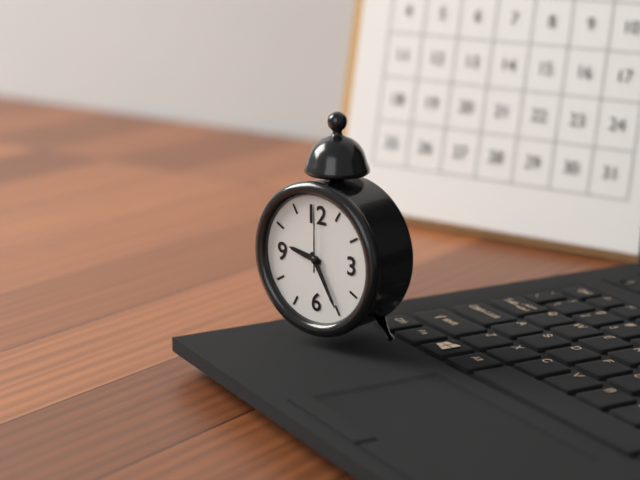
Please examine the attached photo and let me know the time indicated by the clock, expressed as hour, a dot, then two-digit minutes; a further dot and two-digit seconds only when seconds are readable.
9.25.00
